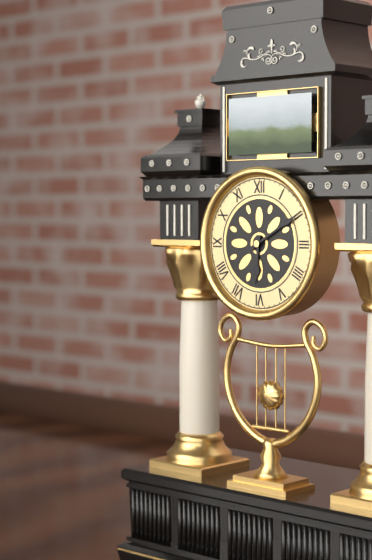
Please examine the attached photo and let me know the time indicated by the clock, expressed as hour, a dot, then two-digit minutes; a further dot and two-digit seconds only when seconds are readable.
6.10
